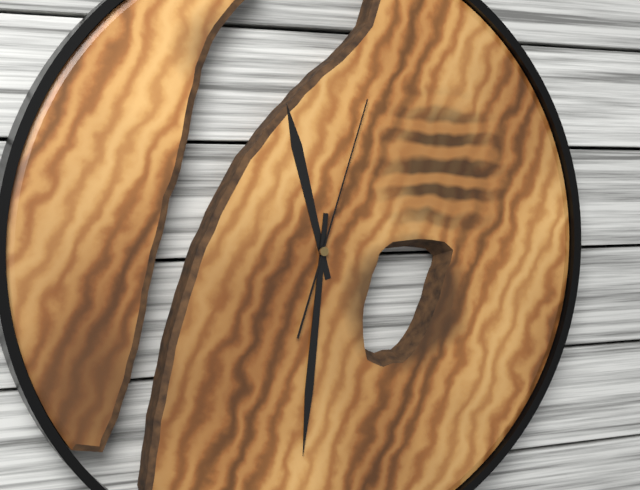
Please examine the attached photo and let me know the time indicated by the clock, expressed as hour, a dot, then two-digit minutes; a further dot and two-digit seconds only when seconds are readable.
11.31.03
